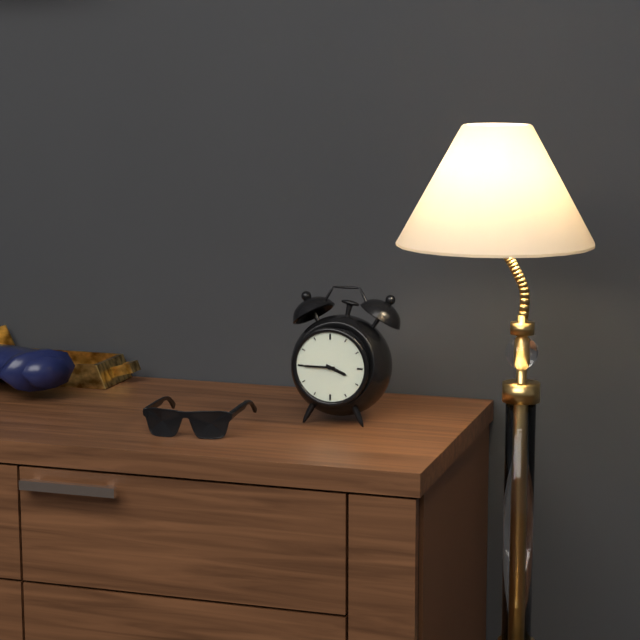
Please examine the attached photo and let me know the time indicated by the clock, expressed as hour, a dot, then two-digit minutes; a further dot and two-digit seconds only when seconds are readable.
3.45
